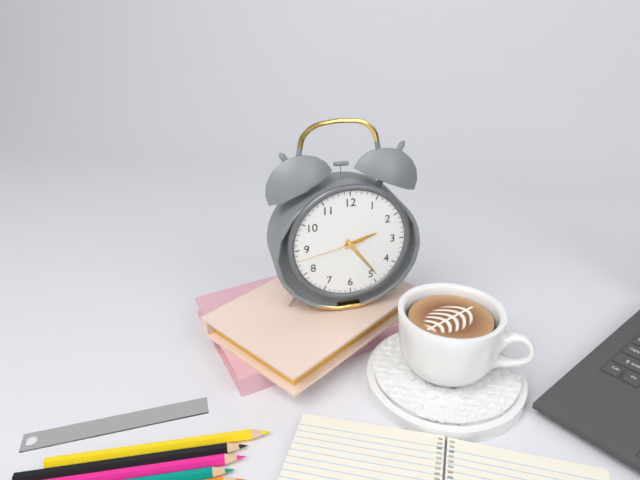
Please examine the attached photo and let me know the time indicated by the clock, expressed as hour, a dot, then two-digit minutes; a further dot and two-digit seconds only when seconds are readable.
2.24.43
